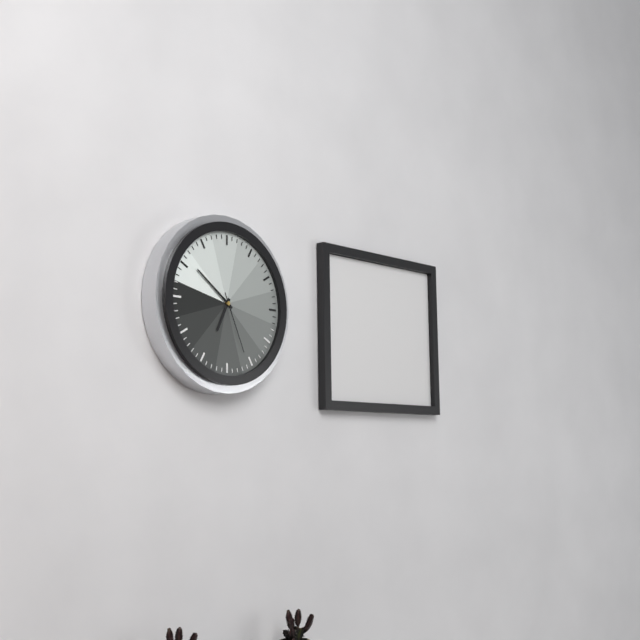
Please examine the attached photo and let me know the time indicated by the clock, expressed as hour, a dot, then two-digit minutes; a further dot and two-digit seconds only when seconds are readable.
6.51.26
